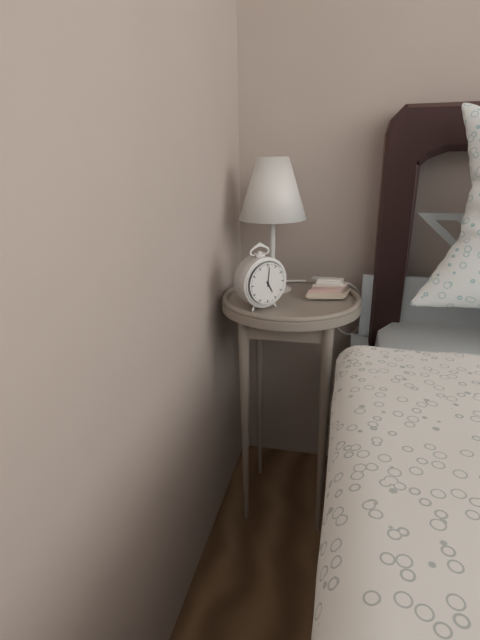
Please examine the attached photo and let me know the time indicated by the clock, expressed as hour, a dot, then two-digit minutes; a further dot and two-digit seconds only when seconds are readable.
5.01
